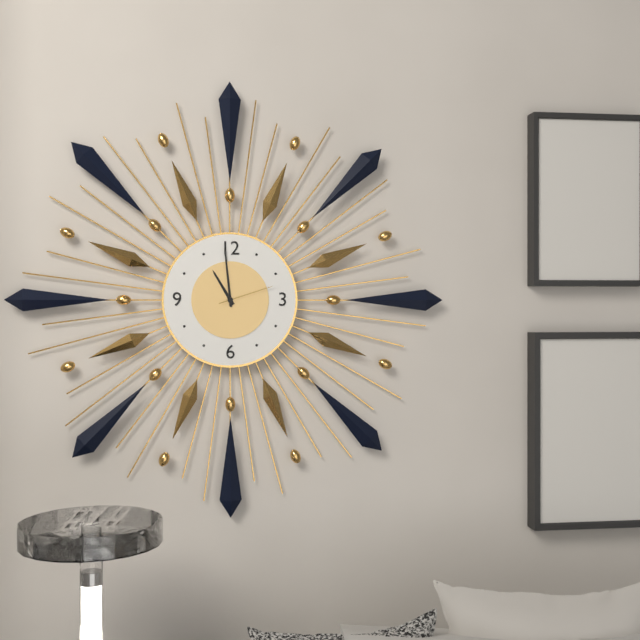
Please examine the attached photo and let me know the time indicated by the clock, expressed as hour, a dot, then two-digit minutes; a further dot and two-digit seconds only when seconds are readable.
10.59.12
